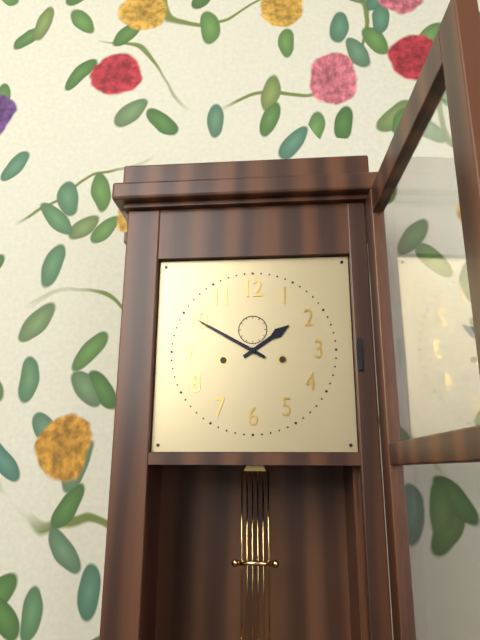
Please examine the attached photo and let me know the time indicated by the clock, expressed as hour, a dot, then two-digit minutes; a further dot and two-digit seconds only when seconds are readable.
1.50
